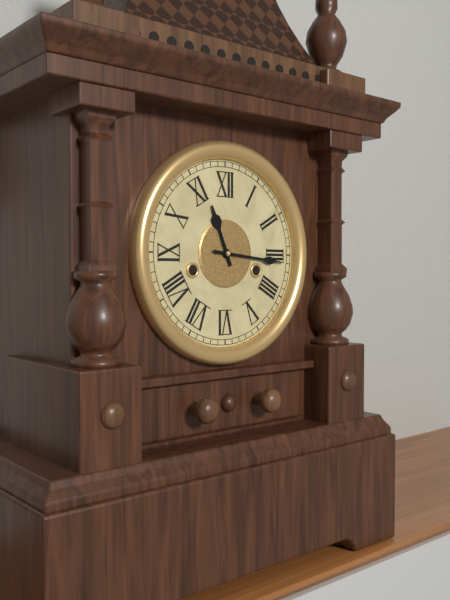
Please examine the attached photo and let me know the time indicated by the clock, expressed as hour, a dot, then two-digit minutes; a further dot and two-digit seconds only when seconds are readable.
11.16
